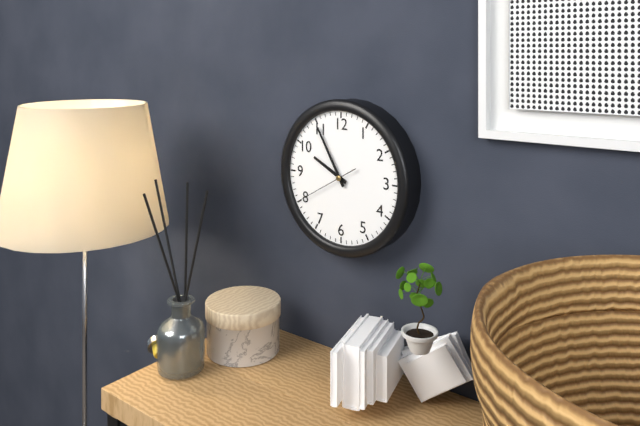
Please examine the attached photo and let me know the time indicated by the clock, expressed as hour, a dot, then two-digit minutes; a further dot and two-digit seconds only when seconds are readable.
9.55.40
